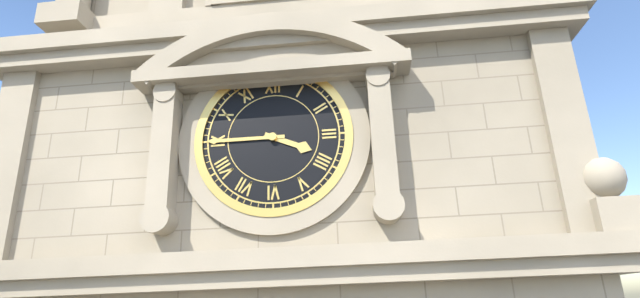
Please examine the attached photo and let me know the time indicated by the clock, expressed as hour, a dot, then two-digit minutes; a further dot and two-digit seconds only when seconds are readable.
3.45
